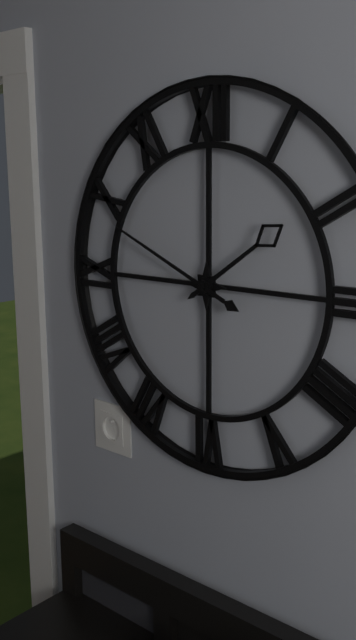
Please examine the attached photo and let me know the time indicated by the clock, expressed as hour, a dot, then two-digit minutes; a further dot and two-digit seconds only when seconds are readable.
1.49
